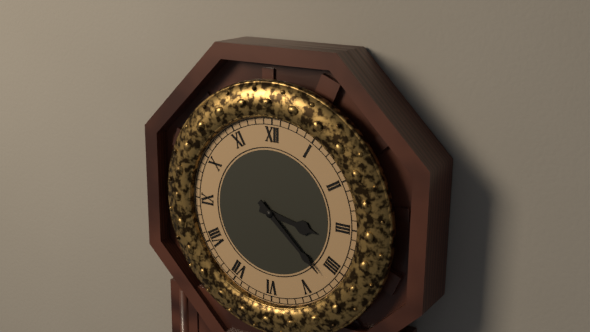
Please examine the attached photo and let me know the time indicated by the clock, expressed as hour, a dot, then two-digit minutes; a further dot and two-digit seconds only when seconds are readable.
3.22
